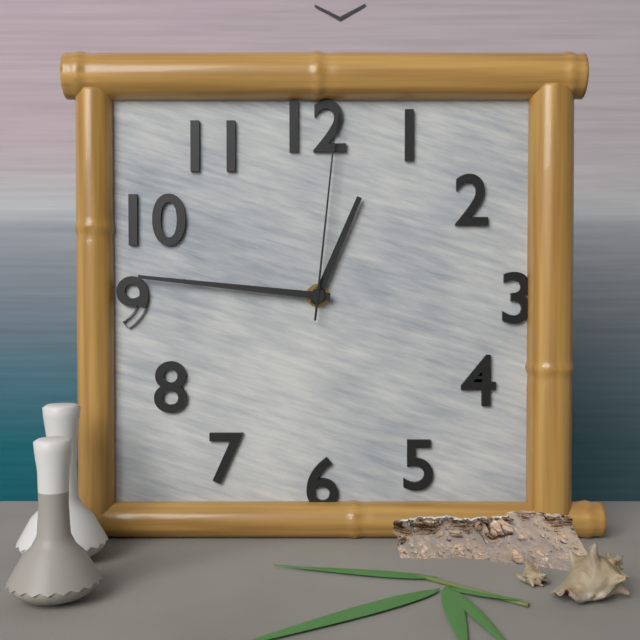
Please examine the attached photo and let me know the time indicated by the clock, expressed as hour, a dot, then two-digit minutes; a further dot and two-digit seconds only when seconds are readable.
12.46.01
